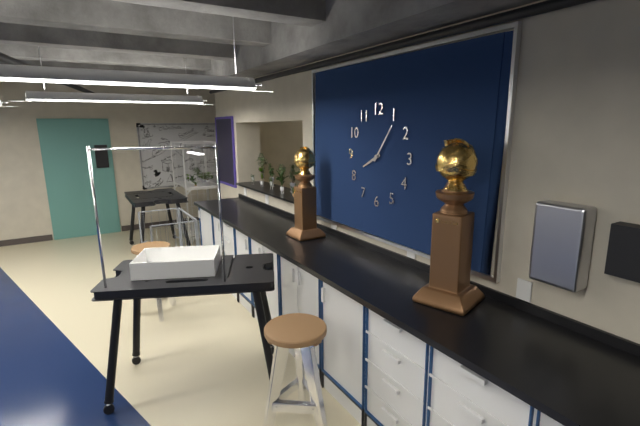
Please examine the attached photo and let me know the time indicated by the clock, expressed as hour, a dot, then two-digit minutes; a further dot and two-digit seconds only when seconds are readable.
8.06
